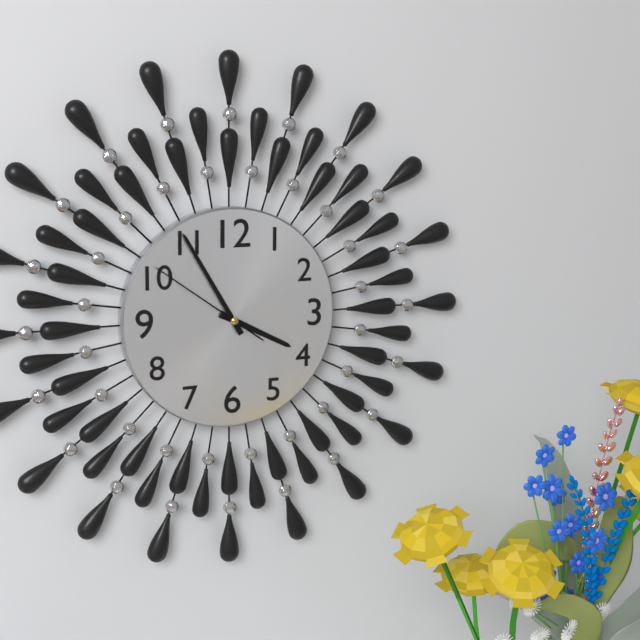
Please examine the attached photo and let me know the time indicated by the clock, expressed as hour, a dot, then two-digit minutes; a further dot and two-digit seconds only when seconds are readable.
3.55.51
